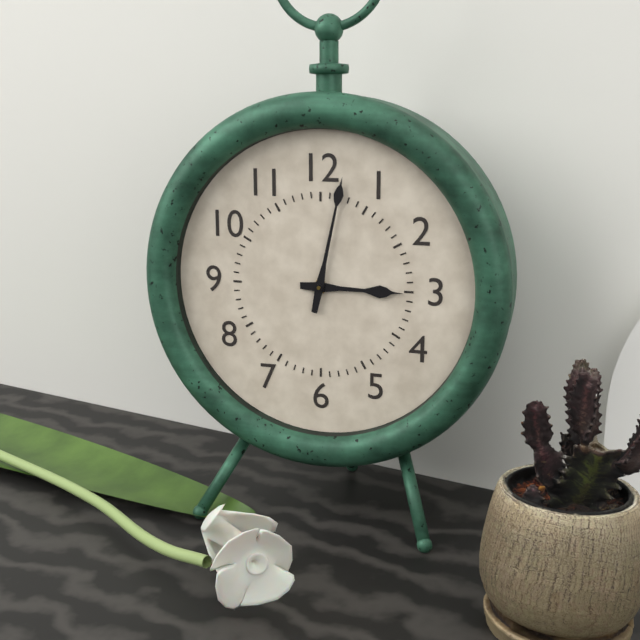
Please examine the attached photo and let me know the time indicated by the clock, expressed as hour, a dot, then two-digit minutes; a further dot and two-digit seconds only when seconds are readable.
3.02
